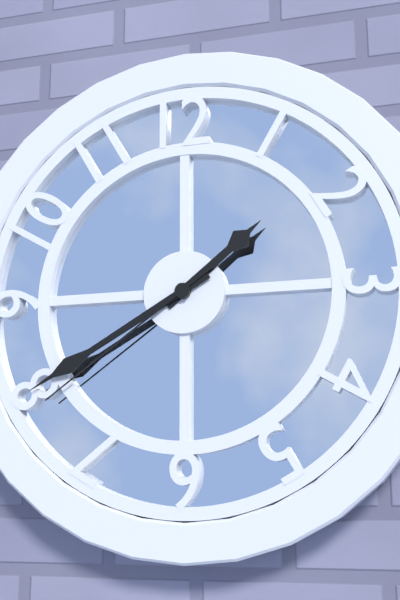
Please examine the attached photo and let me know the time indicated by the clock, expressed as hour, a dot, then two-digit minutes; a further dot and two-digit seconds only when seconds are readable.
1.40.39
